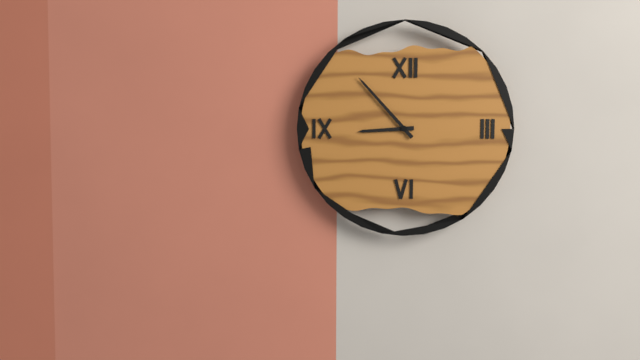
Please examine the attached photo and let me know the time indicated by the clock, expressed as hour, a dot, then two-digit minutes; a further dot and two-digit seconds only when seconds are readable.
8.53
